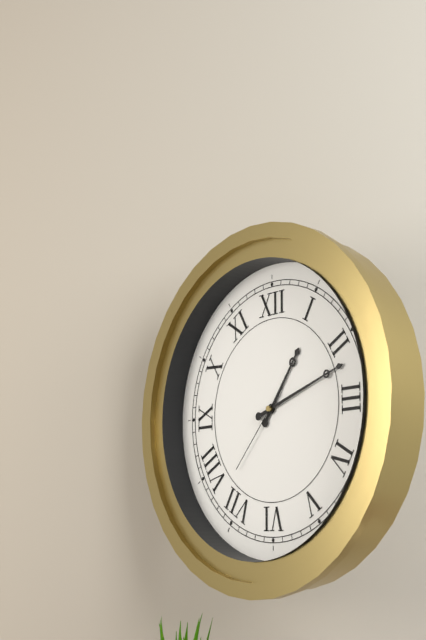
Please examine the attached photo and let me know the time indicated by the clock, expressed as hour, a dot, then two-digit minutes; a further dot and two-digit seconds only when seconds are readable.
1.12.37
